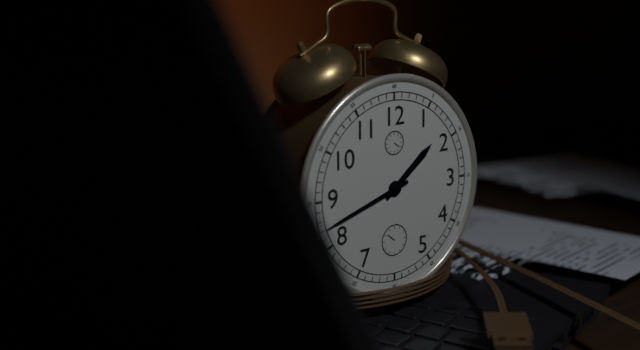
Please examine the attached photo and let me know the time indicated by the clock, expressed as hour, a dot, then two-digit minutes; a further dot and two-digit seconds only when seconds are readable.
1.42
